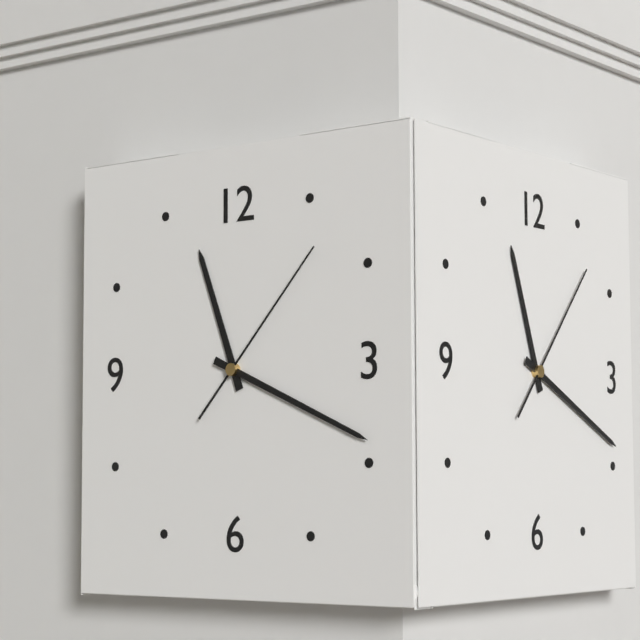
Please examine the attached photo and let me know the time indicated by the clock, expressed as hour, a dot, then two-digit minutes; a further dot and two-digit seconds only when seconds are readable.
11.19.07
